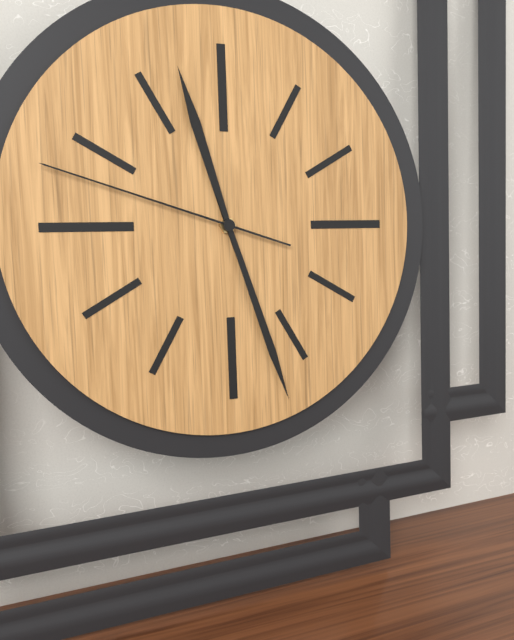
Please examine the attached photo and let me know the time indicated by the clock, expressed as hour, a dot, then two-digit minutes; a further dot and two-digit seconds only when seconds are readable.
11.27.48
